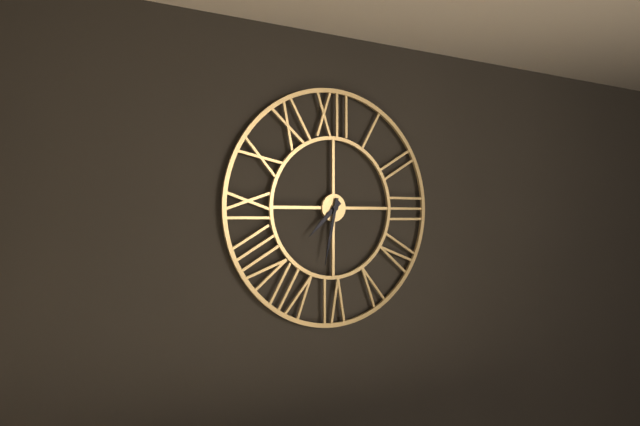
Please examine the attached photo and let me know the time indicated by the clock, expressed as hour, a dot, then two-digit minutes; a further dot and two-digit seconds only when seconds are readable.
7.32
